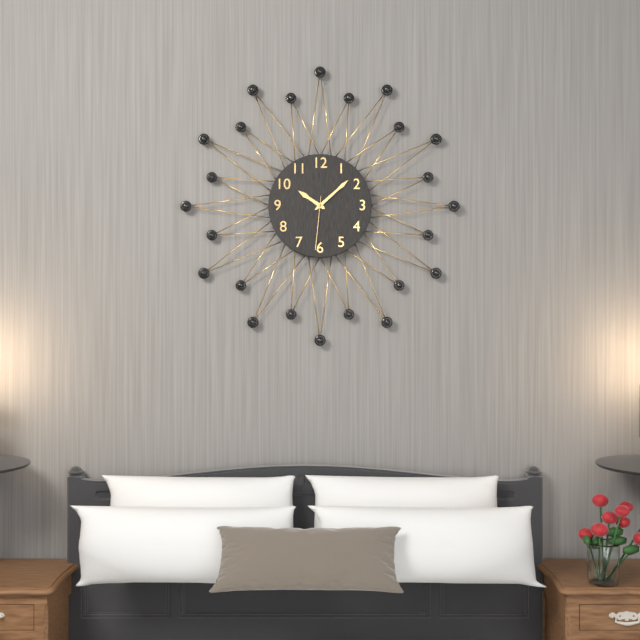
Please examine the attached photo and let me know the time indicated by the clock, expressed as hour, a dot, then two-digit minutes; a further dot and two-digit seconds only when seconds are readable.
10.08.31
